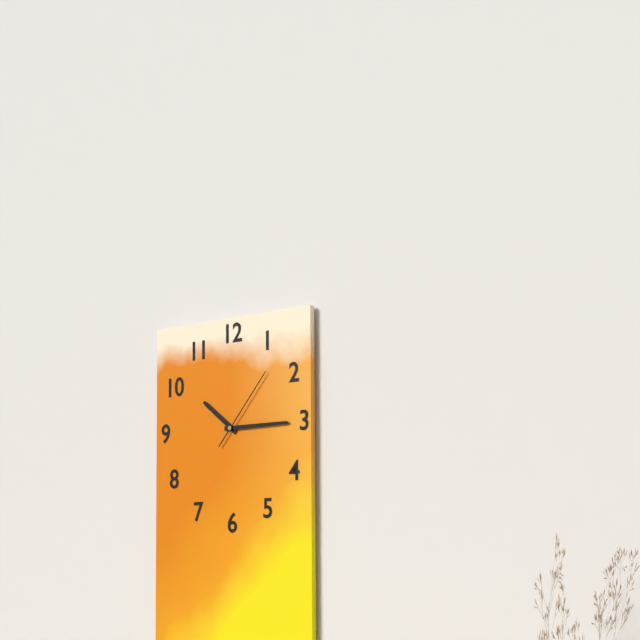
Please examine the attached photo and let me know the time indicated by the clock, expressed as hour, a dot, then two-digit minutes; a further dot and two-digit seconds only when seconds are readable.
10.15.07
